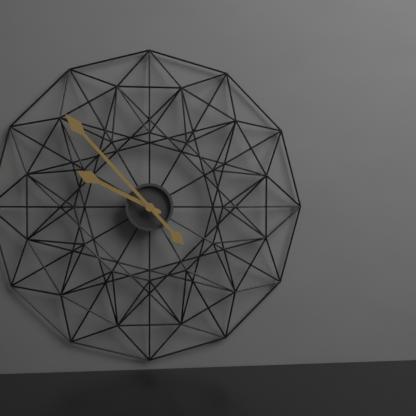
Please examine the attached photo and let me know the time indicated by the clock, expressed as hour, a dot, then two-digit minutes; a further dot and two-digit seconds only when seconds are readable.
9.53
